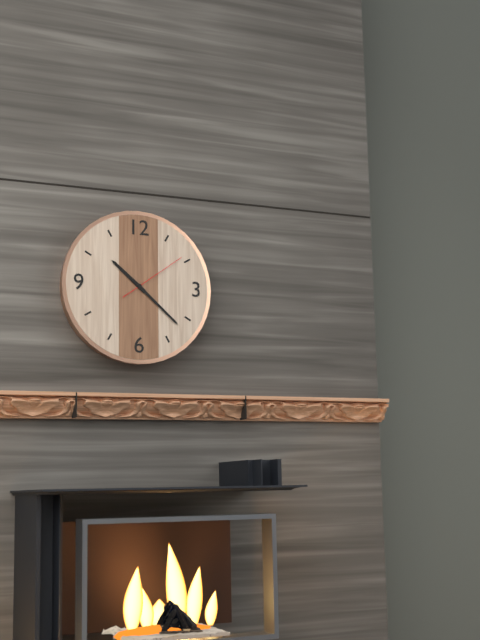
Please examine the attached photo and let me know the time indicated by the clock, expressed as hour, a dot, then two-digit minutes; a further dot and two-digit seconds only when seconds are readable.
10.22.09
